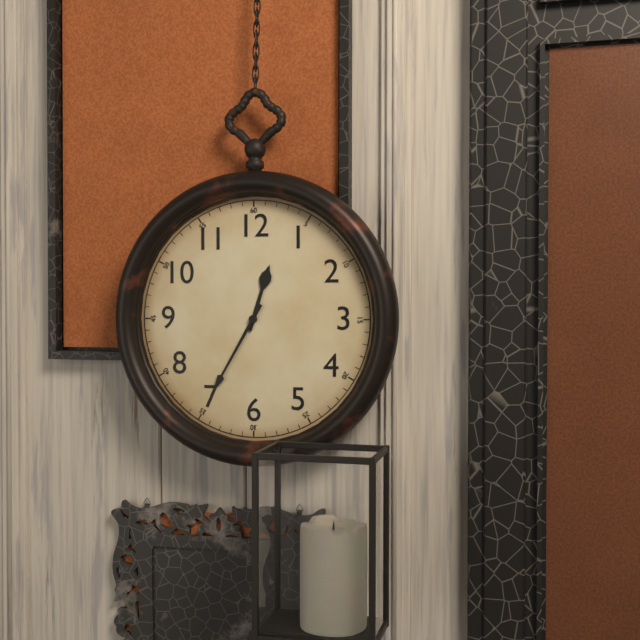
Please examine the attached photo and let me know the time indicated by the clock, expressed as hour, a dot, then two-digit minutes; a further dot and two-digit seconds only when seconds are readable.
12.35
